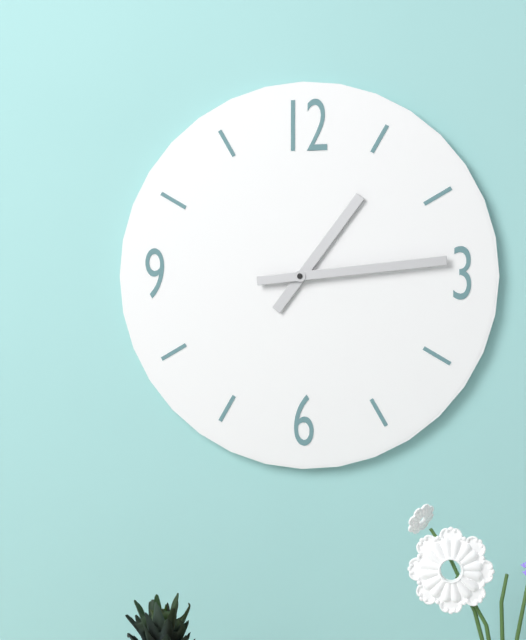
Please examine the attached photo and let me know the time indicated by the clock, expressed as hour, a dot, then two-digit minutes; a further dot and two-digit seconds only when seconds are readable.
1.14
